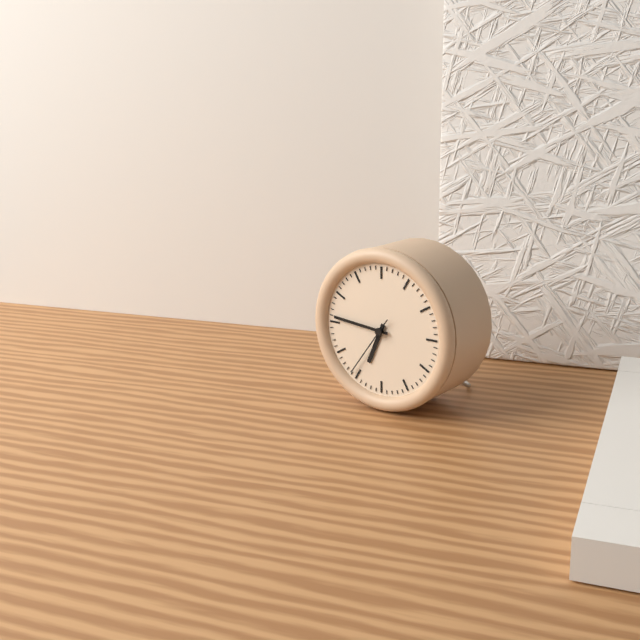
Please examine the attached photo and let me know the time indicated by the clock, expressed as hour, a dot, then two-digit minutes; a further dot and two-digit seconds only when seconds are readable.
6.46.36
